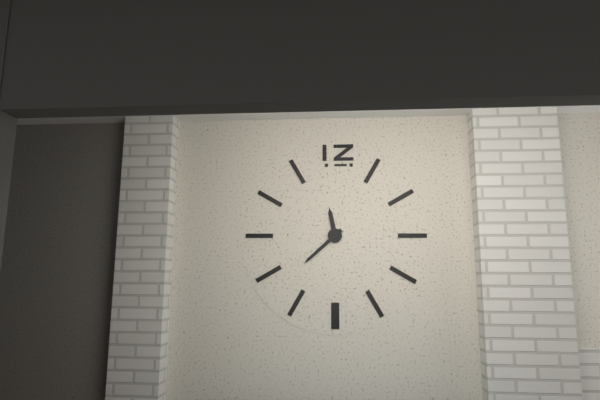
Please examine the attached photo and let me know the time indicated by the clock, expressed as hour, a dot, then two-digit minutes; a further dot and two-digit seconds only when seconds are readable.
11.38
